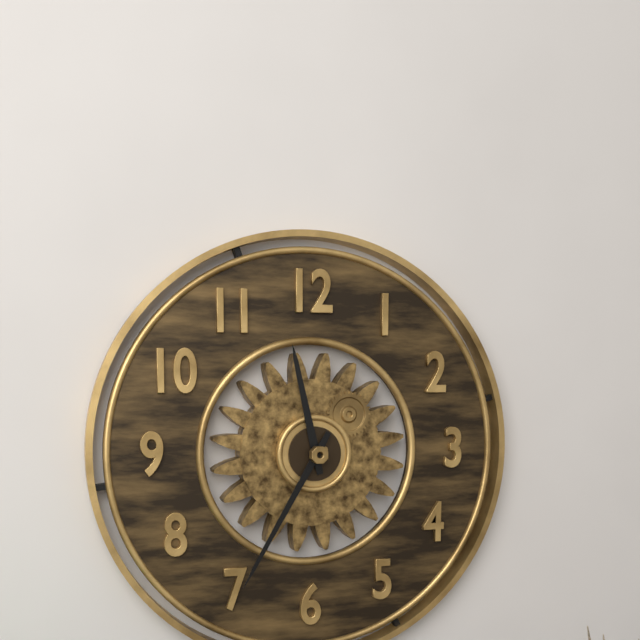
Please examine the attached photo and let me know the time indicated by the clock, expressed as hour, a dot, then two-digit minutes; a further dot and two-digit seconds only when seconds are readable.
11.35
